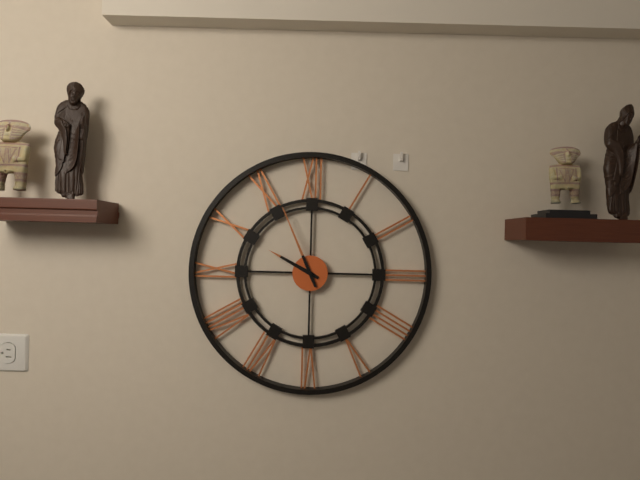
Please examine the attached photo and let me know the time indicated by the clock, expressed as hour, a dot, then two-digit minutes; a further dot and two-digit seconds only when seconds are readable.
9.56
